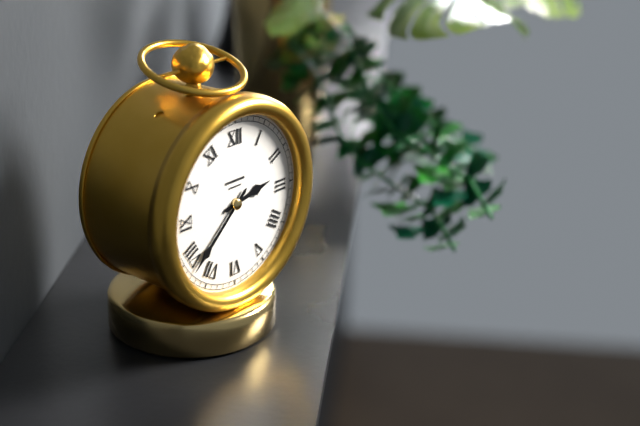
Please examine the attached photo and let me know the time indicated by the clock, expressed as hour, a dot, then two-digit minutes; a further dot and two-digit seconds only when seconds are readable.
2.38
